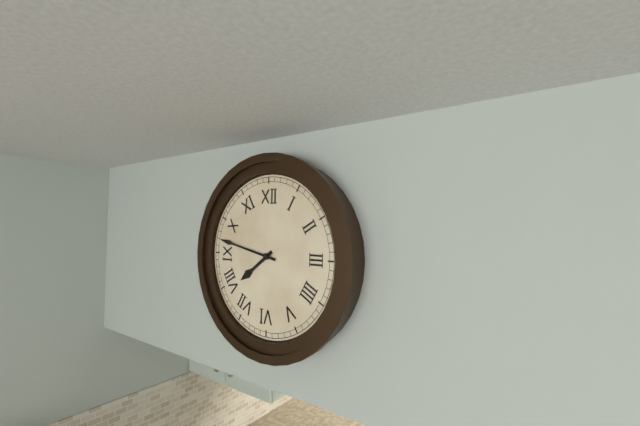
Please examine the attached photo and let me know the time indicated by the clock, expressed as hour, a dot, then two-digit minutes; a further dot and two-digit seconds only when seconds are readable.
7.47
